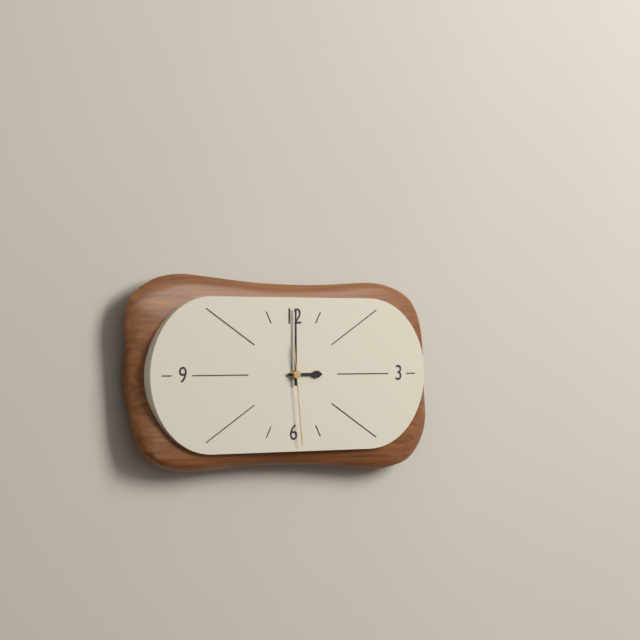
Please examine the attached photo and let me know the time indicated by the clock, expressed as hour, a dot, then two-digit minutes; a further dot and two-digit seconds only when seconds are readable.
3.00.29
